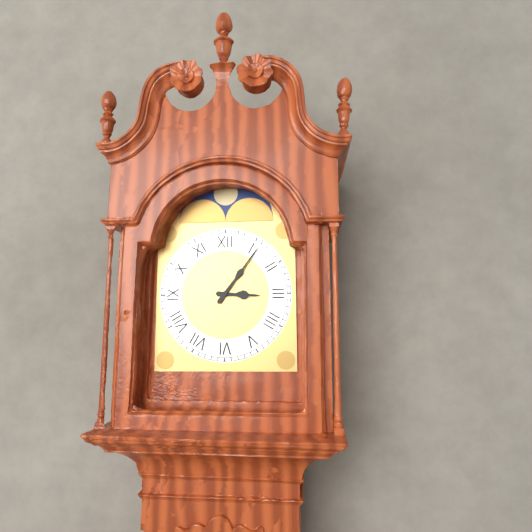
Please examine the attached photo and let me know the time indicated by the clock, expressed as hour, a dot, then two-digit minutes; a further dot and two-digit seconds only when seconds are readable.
3.06
